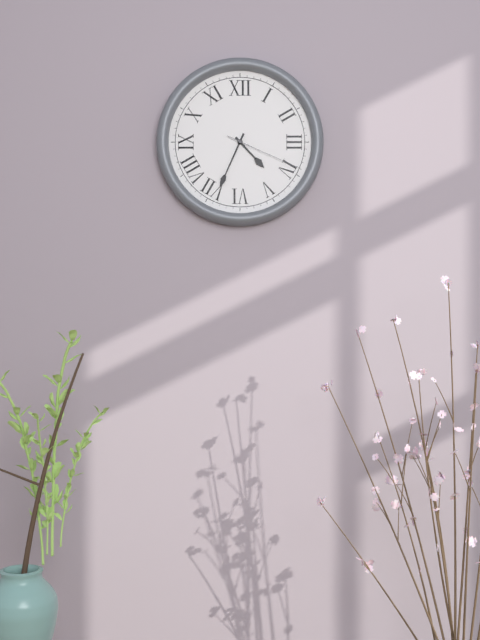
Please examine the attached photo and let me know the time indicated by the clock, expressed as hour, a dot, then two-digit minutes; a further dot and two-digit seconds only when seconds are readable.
4.34.19
